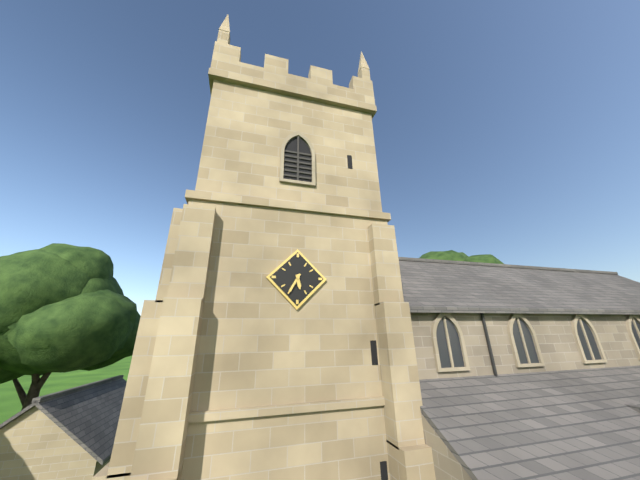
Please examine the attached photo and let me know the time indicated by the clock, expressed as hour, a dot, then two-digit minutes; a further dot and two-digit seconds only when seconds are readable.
5.35
